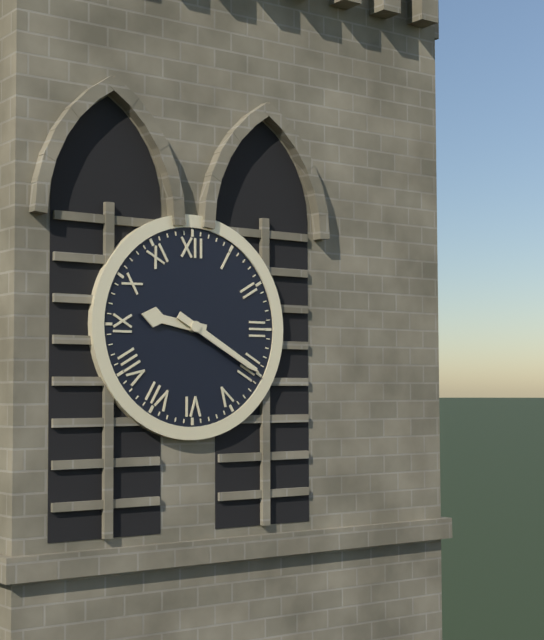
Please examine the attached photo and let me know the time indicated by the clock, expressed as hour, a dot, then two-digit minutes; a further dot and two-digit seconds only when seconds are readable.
9.20
